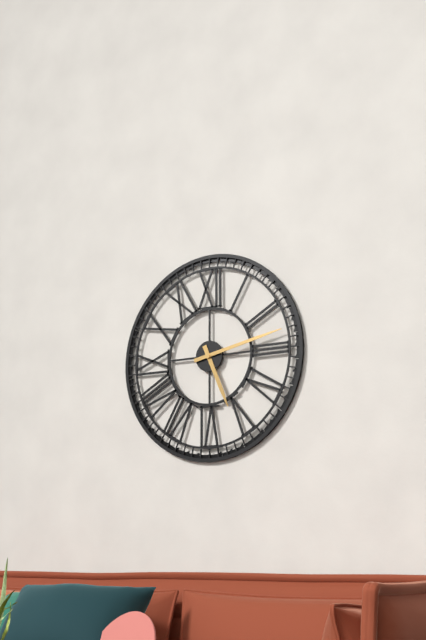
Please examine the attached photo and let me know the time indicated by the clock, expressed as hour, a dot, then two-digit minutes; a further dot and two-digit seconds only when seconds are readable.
5.13
